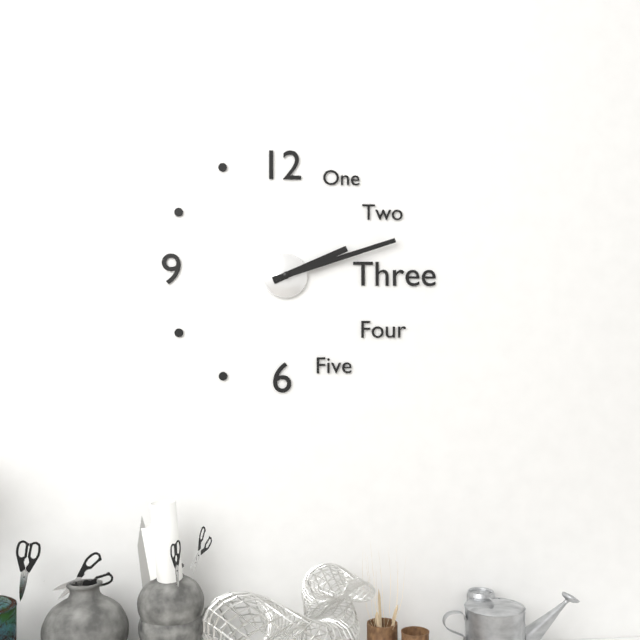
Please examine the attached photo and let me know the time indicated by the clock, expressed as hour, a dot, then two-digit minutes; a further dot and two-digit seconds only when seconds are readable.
2.12
